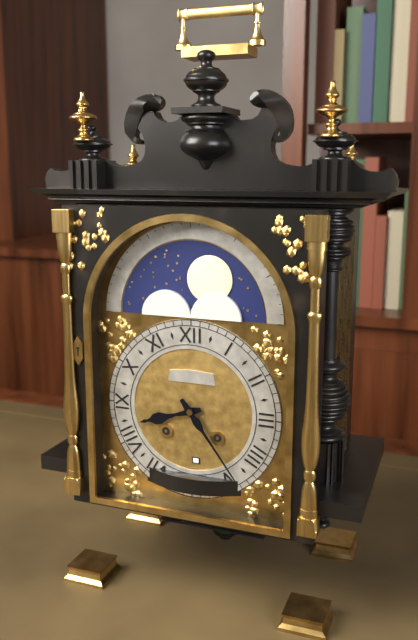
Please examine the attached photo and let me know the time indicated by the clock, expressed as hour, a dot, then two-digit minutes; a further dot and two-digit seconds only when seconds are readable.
8.24
